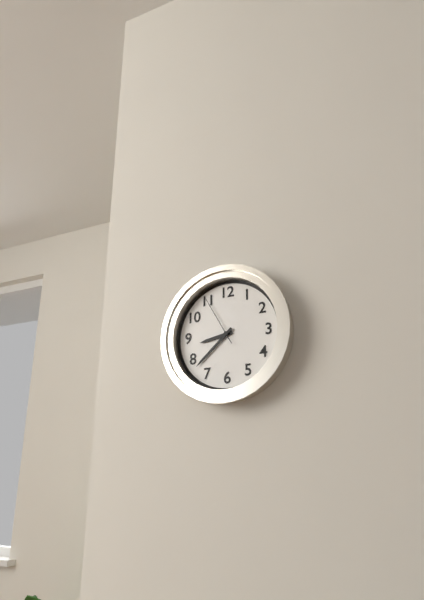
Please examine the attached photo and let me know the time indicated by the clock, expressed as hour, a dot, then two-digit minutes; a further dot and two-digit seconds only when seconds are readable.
8.38.55
